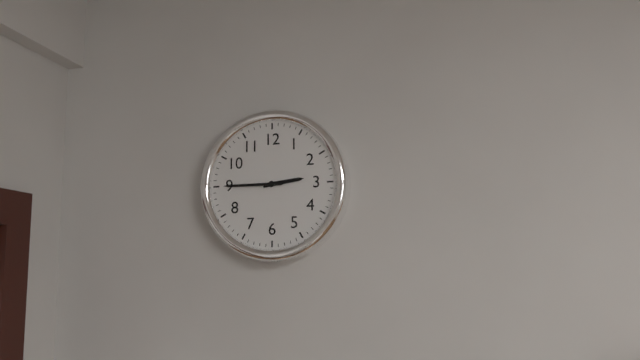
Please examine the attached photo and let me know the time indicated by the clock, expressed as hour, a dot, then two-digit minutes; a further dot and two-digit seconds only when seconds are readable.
2.45
